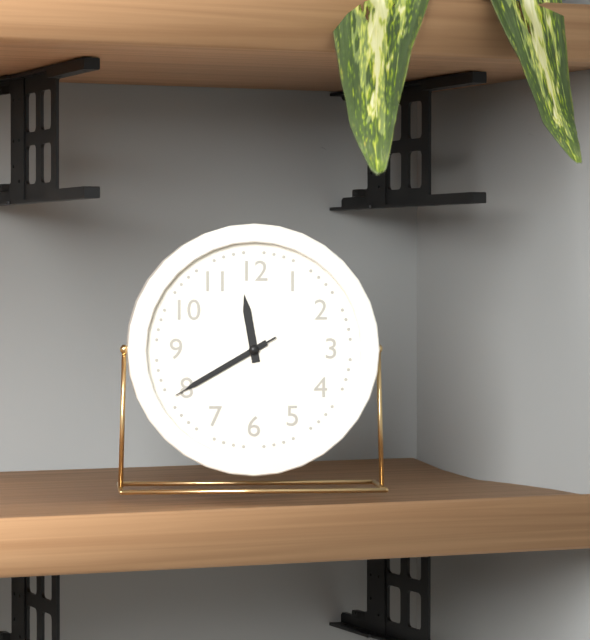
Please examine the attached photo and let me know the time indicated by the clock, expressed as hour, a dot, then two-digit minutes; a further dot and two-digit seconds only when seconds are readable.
11.40.40
